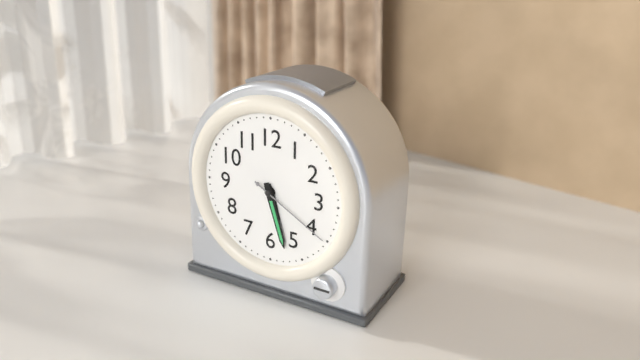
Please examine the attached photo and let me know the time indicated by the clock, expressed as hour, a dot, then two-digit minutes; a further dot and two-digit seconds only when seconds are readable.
5.27.20
